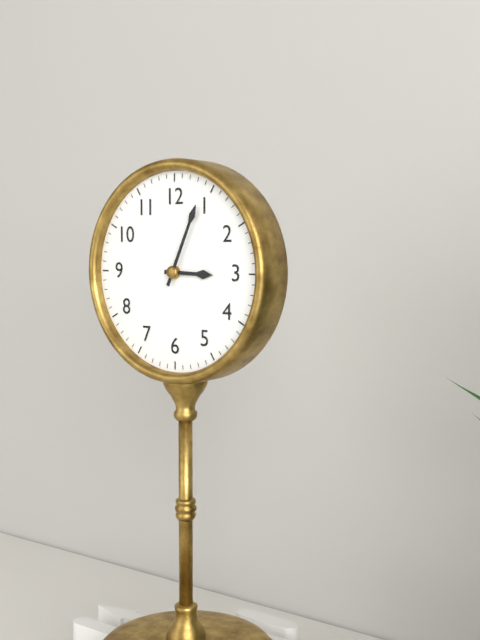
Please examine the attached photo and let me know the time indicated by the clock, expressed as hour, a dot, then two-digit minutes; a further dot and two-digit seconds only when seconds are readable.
3.04
